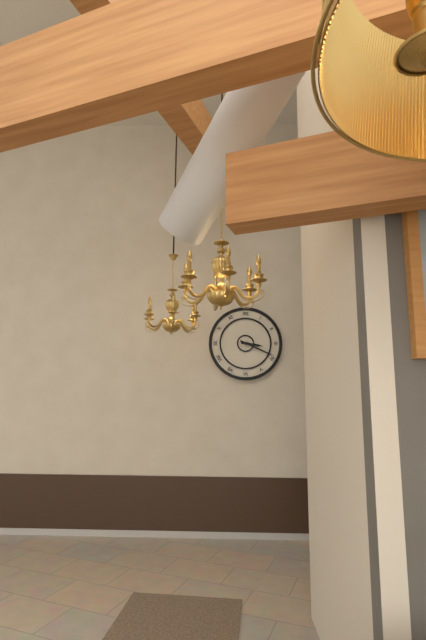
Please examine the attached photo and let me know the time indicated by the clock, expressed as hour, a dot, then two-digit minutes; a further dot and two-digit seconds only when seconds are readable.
3.19
